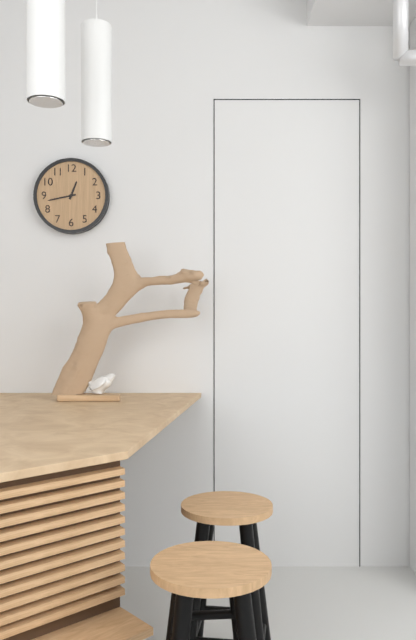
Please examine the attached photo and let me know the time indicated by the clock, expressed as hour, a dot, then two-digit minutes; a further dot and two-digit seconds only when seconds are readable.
12.43
